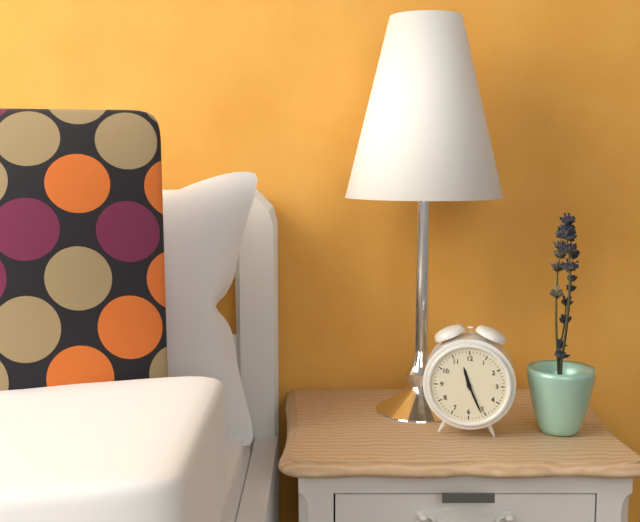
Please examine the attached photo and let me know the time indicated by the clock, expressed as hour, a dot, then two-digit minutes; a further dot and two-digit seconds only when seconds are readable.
11.26
